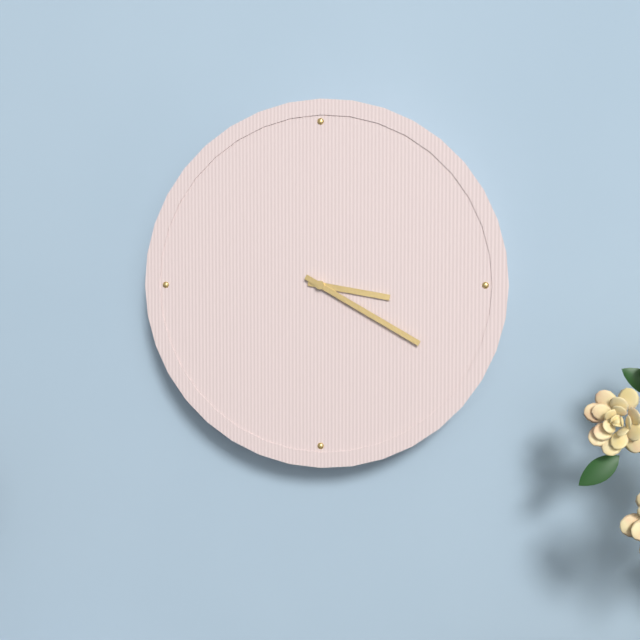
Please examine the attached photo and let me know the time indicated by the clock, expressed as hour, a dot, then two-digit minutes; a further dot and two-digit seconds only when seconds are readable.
3.20
